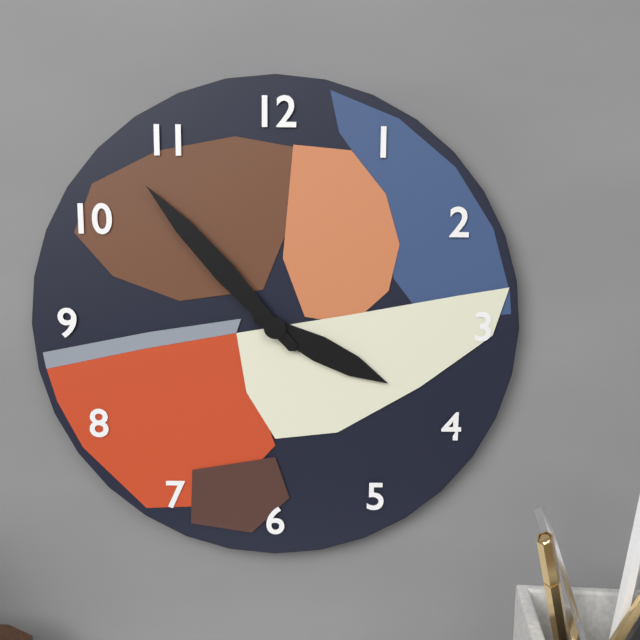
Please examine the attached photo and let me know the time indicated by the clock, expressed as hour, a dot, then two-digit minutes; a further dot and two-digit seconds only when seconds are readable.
3.53
